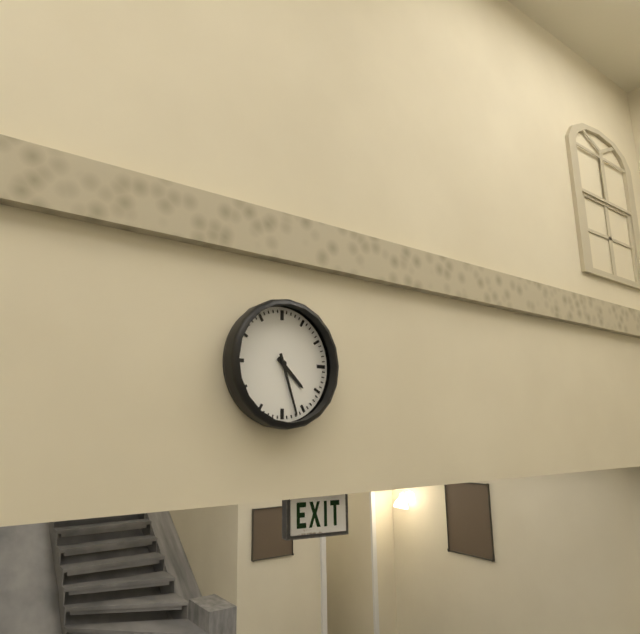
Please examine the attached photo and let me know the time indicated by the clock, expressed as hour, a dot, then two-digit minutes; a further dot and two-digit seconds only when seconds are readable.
4.27
